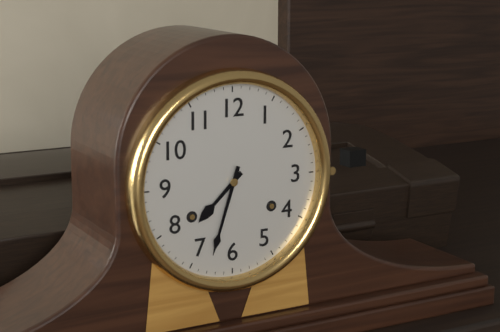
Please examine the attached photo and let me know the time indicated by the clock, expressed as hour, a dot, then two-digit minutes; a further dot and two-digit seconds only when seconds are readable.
7.33
